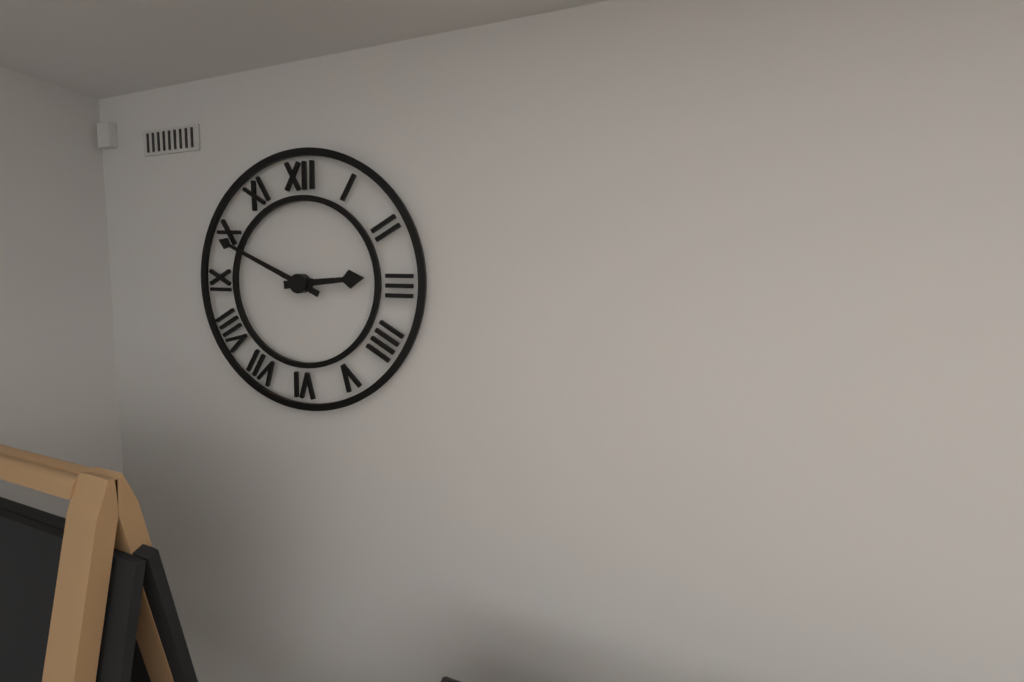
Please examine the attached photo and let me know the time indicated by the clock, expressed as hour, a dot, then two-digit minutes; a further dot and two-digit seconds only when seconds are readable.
2.49
